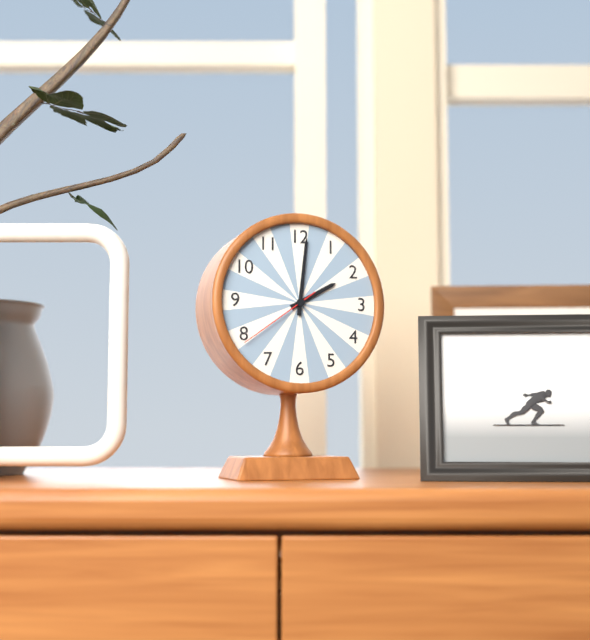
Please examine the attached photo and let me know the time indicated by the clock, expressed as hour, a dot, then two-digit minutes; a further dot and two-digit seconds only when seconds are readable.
2.01.39
